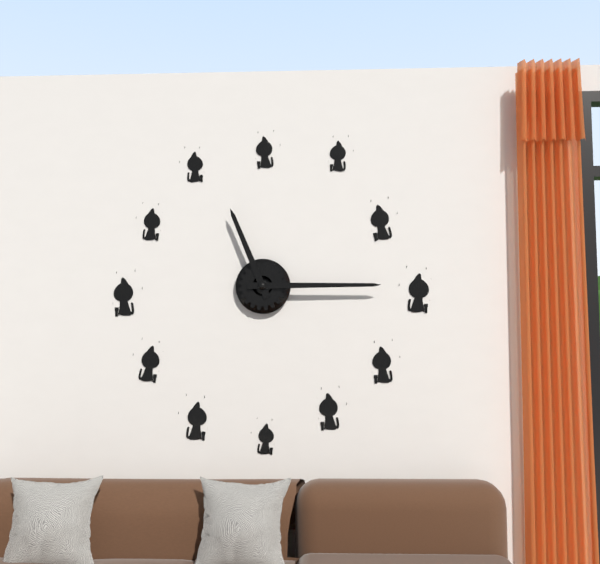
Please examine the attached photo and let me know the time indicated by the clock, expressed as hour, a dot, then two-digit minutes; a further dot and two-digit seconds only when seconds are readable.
11.15
